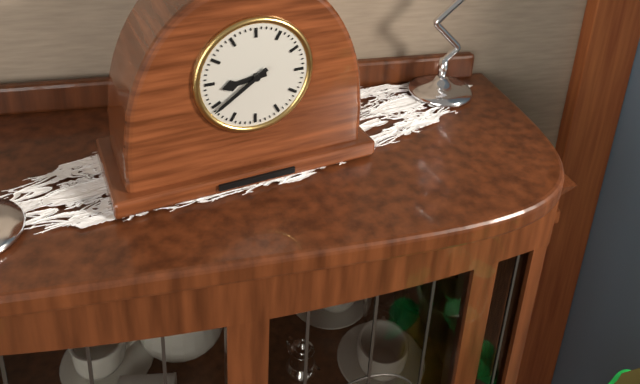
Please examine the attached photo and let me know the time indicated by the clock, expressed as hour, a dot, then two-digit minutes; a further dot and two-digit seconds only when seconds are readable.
8.39
